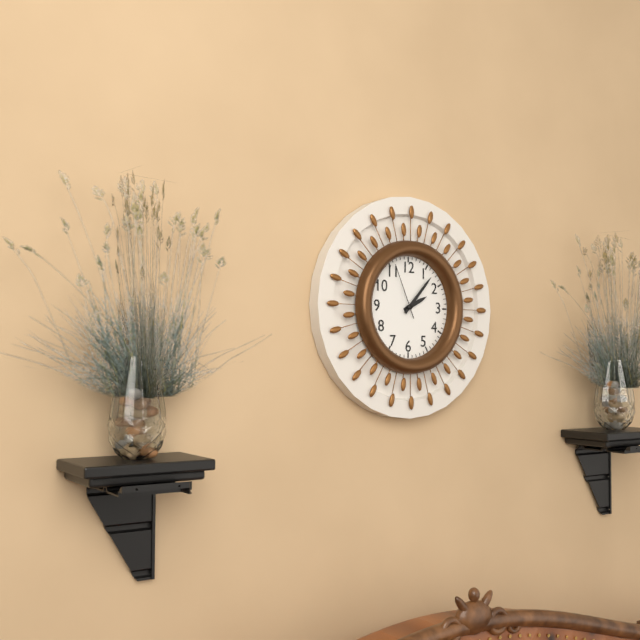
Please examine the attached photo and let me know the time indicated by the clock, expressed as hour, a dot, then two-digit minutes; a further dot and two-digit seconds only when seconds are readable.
2.07.56
